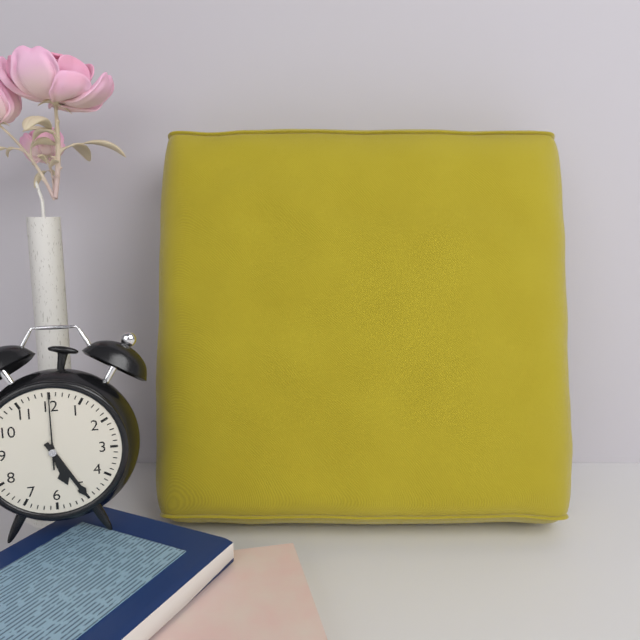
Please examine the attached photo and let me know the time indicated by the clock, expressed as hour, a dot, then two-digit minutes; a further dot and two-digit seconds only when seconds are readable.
5.25.00
